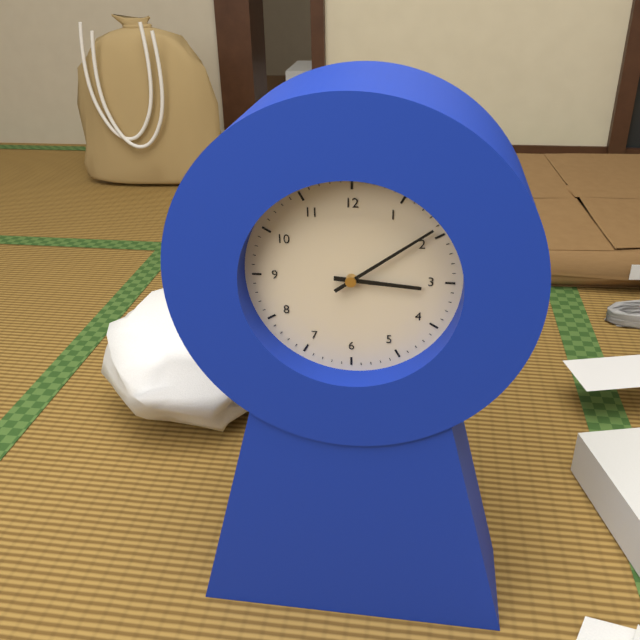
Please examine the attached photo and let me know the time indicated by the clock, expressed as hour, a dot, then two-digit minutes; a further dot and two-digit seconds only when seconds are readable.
3.09
